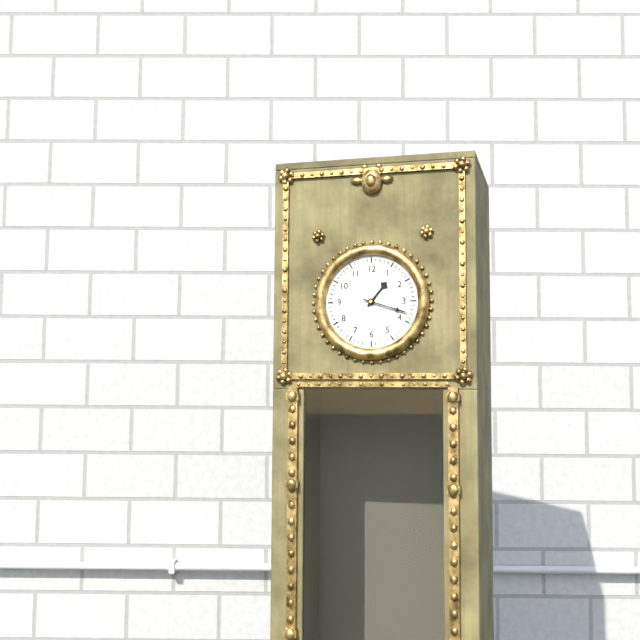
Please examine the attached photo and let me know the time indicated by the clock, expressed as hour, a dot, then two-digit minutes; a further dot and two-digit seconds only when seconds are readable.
1.18
